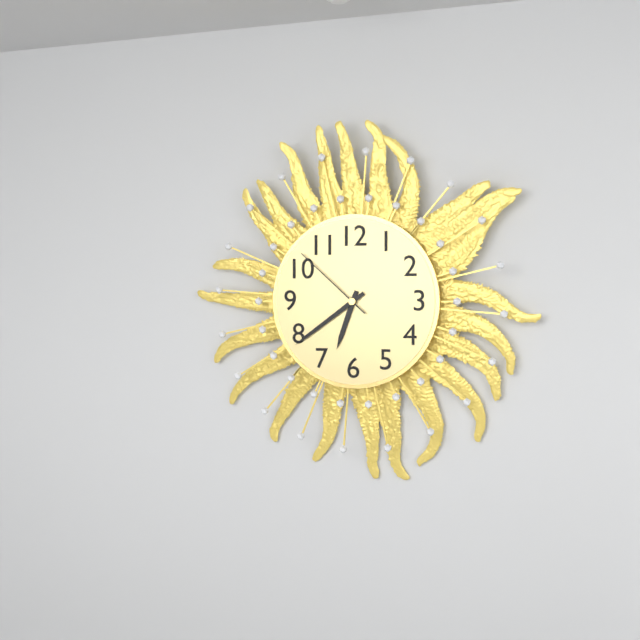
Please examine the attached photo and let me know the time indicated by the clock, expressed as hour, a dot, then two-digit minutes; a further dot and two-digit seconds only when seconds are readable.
6.39.52
